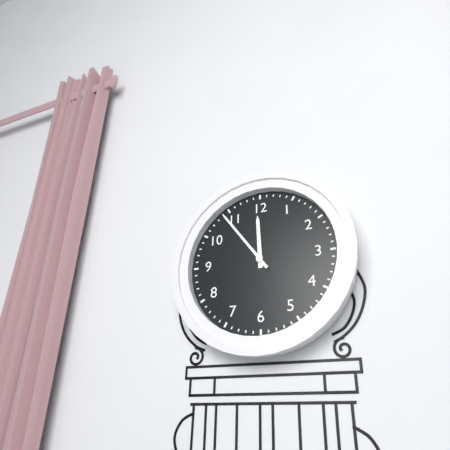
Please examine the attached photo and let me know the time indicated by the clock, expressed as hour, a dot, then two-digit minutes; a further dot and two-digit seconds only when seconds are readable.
11.54
